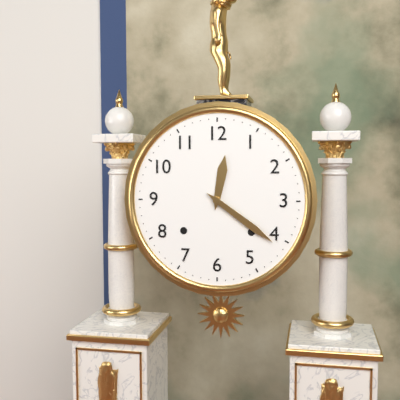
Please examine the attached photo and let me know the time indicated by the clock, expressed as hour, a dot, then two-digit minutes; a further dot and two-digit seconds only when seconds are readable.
12.21
